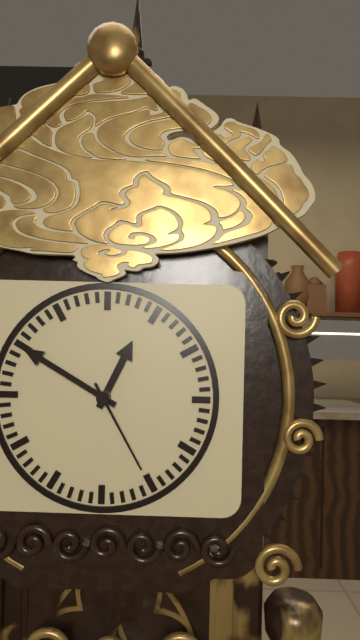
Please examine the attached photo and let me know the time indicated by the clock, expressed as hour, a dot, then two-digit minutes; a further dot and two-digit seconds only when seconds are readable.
12.50.25
